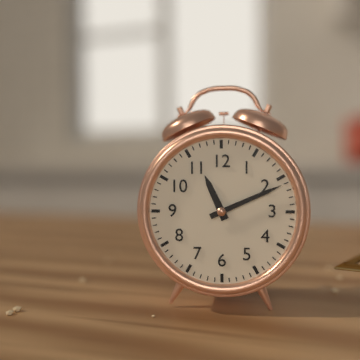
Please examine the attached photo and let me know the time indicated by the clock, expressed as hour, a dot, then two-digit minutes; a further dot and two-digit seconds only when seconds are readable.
11.11
